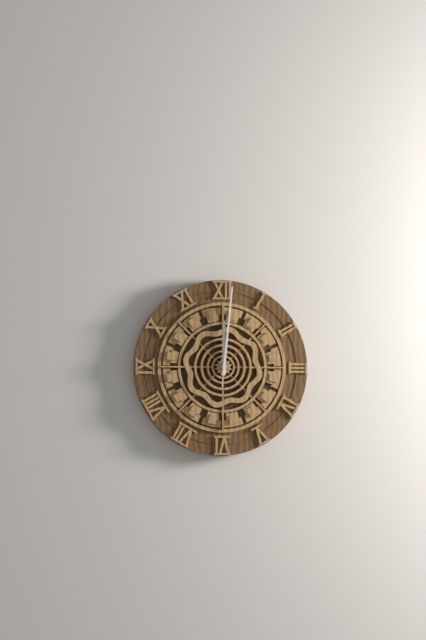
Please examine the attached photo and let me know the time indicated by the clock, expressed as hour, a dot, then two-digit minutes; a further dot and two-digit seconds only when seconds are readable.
12.01.01
